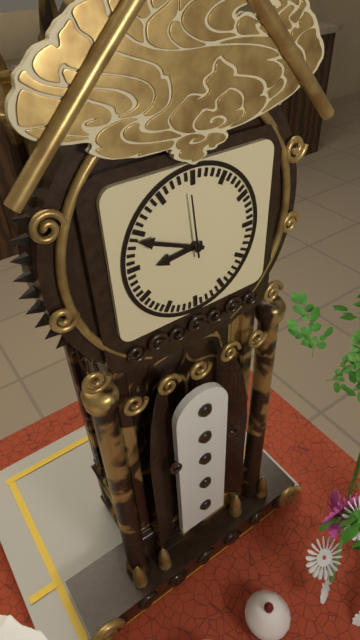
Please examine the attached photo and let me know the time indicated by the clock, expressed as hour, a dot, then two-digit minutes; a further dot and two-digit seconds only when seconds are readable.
8.49.59
